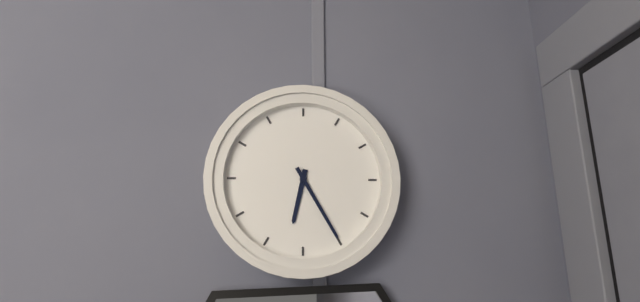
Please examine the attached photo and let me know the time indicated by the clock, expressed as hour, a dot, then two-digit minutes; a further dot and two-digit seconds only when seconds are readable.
6.25
